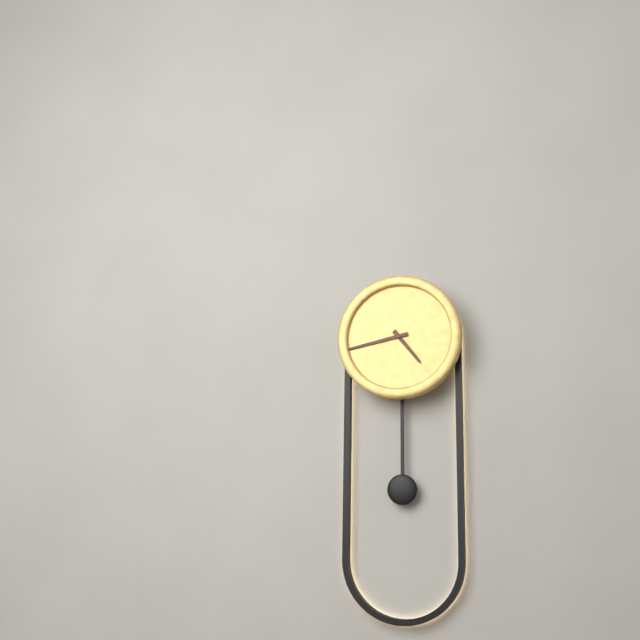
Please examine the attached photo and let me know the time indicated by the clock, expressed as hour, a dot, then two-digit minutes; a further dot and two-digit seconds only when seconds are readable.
4.43
